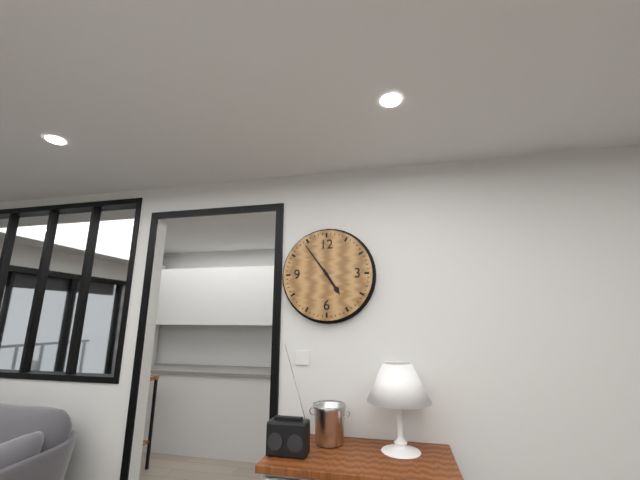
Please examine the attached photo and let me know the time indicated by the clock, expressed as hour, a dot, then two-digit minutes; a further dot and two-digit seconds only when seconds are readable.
4.54
